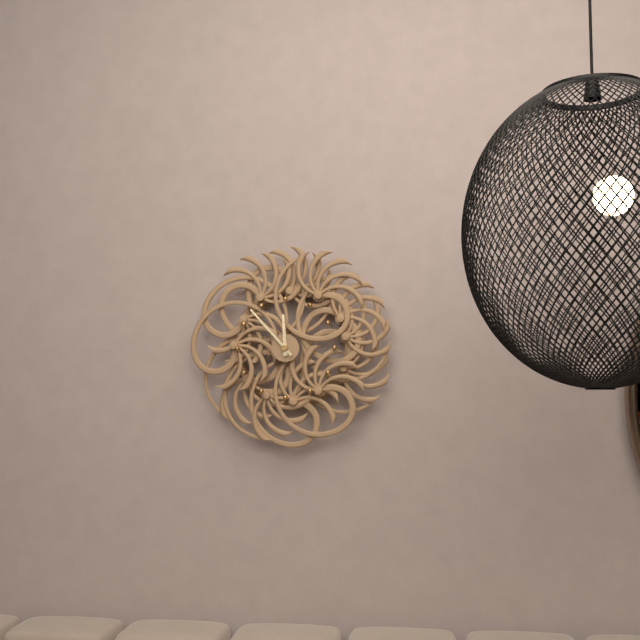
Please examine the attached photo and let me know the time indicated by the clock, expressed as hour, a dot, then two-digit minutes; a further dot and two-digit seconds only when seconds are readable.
11.53
